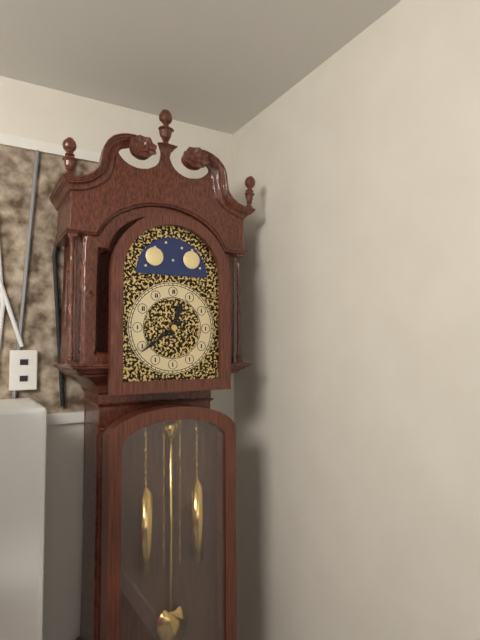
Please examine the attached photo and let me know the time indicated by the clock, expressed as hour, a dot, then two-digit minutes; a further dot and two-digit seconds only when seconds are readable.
12.39
